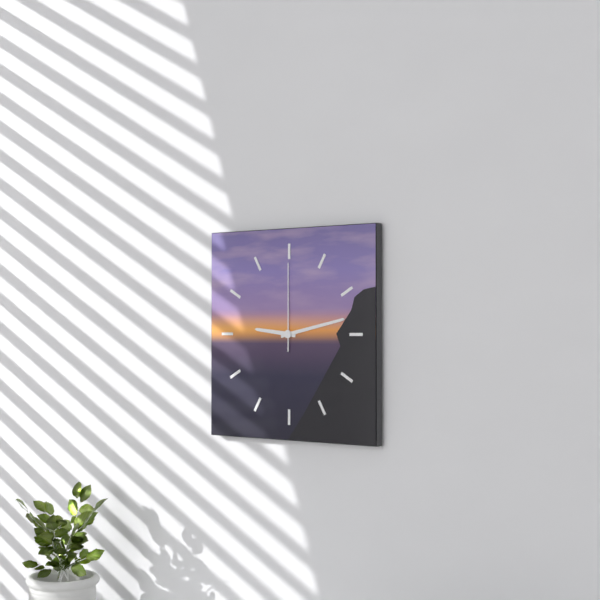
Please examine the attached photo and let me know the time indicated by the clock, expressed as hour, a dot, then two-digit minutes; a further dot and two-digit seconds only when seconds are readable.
9.13.00
